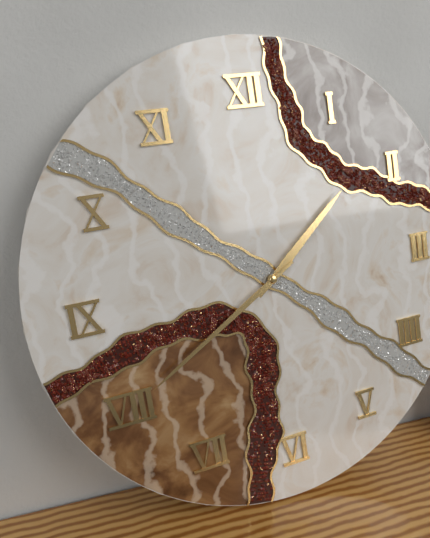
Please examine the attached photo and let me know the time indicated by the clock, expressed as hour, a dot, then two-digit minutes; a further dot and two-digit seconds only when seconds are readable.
1.40
